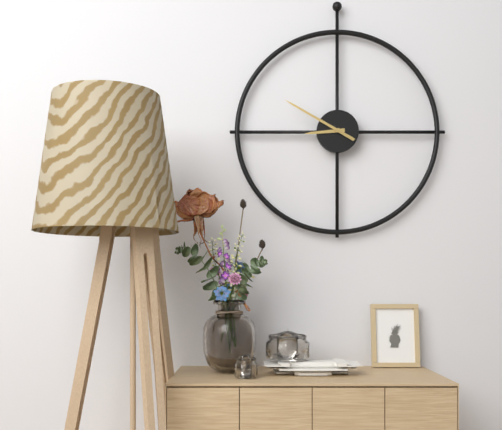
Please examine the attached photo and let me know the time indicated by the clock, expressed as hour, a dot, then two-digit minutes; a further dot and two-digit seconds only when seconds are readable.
8.50
